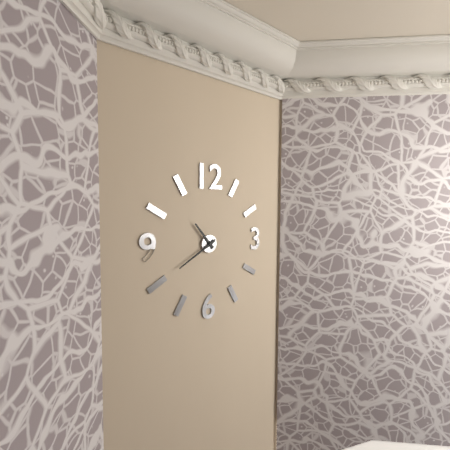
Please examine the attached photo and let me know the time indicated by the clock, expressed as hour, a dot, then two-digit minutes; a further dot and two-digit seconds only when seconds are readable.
10.40
